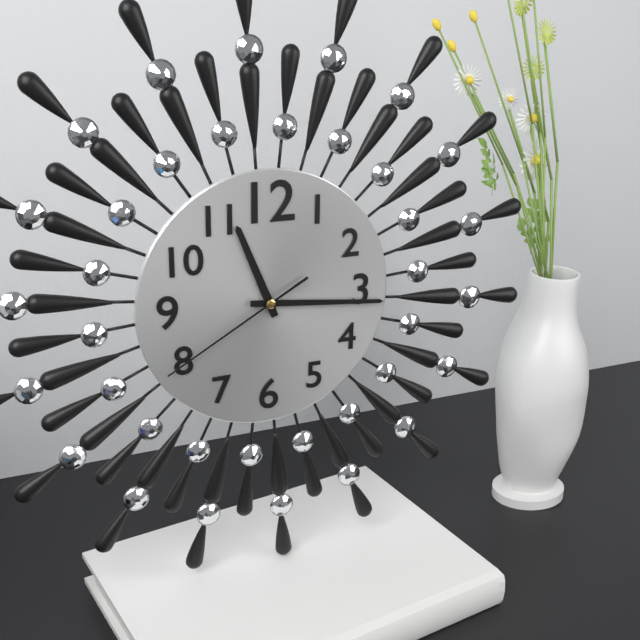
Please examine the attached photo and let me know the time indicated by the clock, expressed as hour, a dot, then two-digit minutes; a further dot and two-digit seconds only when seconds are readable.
11.16.40
